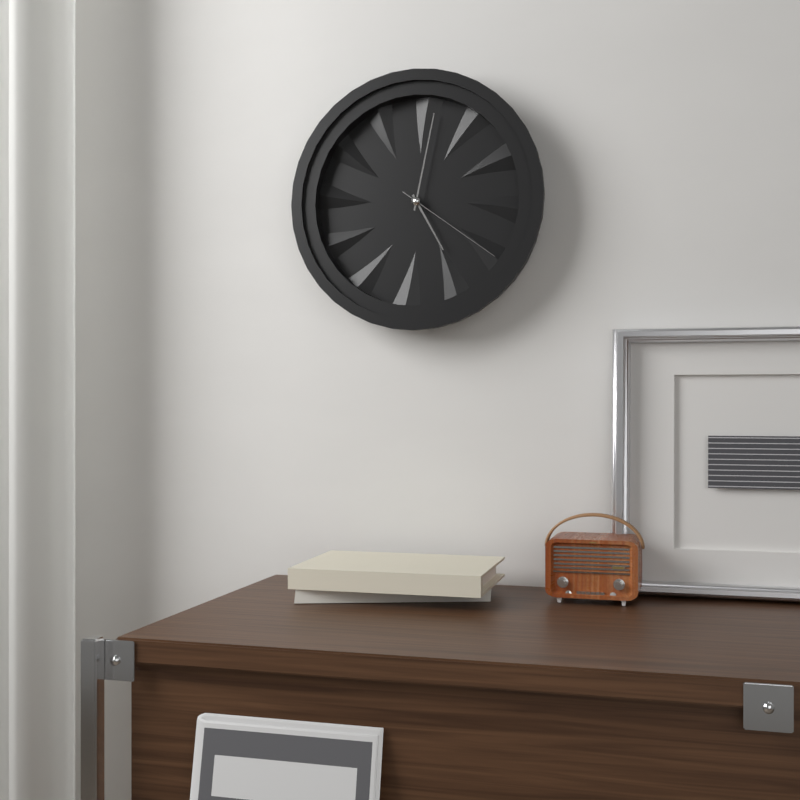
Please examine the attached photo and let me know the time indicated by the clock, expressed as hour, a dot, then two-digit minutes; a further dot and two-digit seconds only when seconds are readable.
5.02.21
